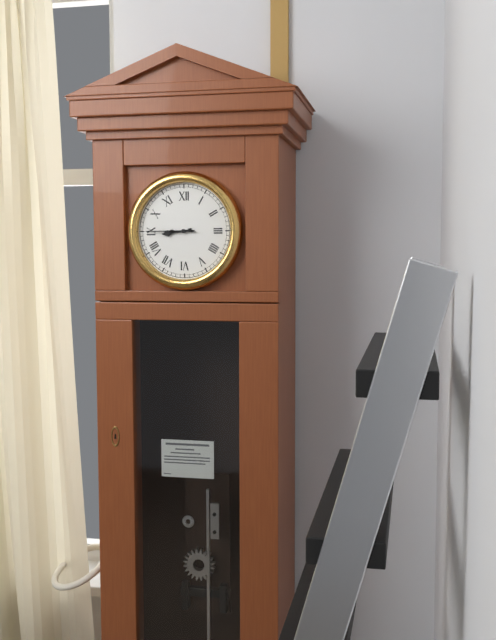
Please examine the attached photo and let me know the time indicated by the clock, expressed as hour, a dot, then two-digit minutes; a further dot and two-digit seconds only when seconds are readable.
8.45
